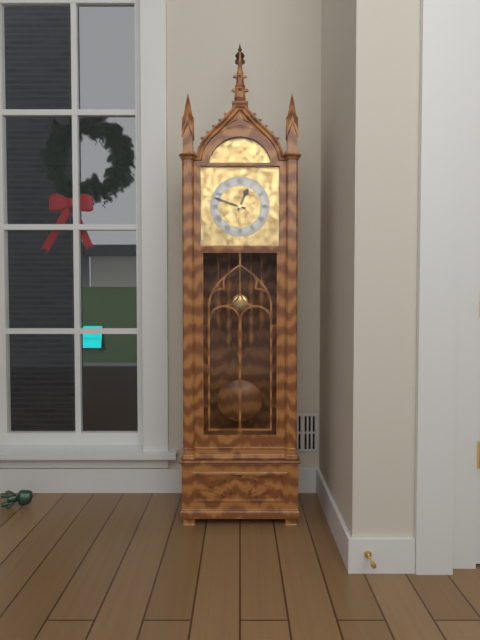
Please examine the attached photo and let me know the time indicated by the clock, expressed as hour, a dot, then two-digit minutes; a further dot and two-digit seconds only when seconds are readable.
12.48
